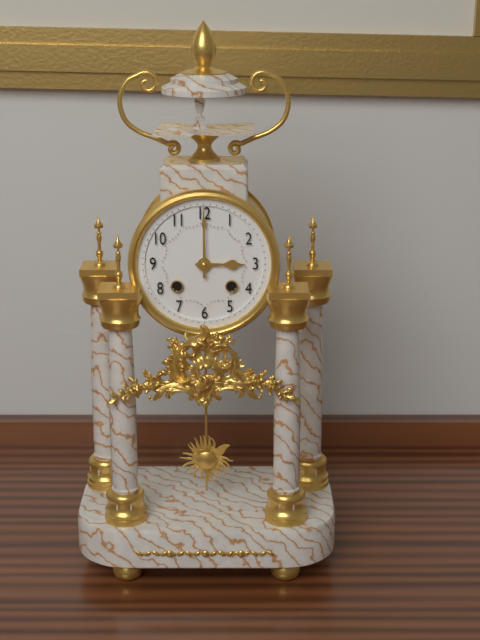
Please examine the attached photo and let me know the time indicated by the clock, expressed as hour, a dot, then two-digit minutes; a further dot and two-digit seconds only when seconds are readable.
3.00
